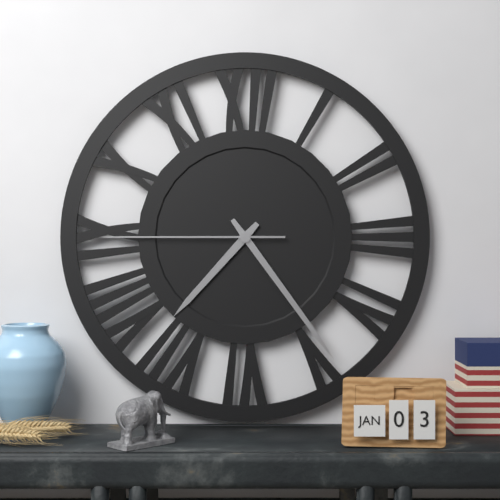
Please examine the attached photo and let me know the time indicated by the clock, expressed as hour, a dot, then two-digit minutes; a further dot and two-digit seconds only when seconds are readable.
7.24.45
